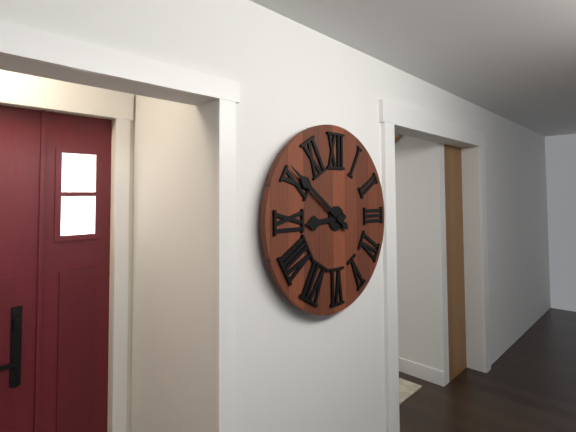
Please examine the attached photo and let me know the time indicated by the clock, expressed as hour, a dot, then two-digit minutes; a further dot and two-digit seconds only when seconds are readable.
8.51
